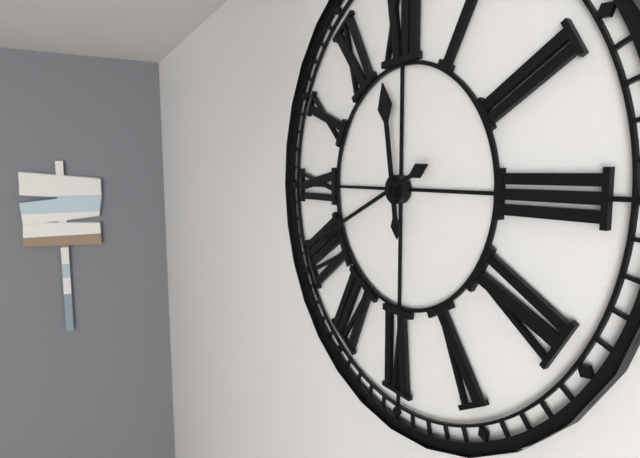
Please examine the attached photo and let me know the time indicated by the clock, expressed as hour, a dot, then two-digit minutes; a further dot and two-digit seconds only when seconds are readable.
11.41
